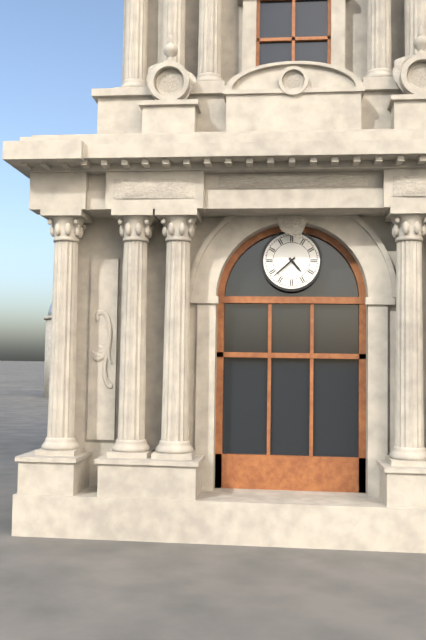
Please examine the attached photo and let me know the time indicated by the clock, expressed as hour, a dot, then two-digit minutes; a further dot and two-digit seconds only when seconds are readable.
4.38
